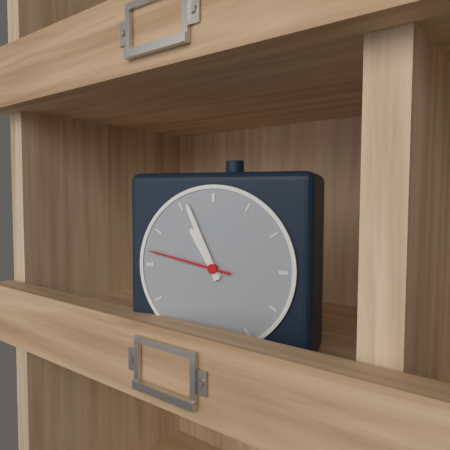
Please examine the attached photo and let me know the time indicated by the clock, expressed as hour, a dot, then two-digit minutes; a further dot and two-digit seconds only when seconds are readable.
10.56.47
